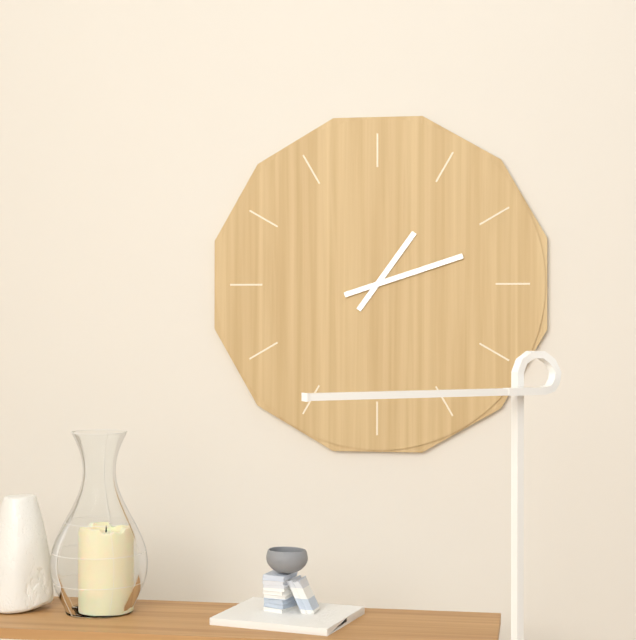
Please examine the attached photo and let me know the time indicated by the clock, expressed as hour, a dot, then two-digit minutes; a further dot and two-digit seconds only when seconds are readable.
1.12
